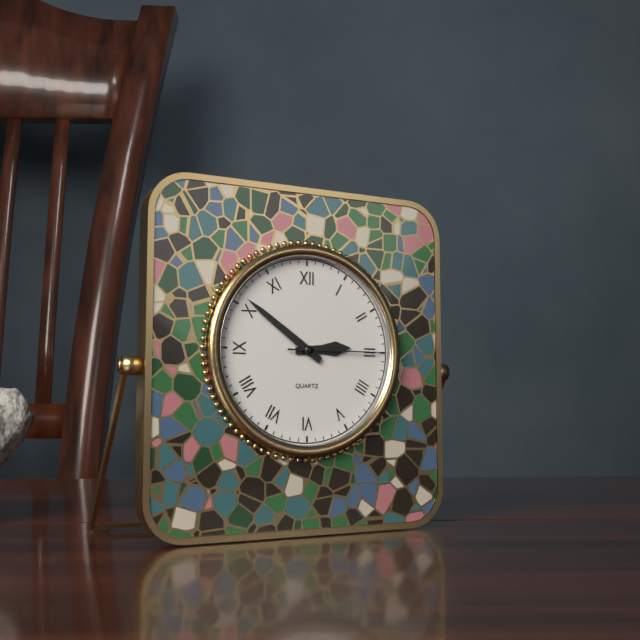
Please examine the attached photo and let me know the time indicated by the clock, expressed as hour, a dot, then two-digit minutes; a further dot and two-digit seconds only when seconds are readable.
2.51.15
